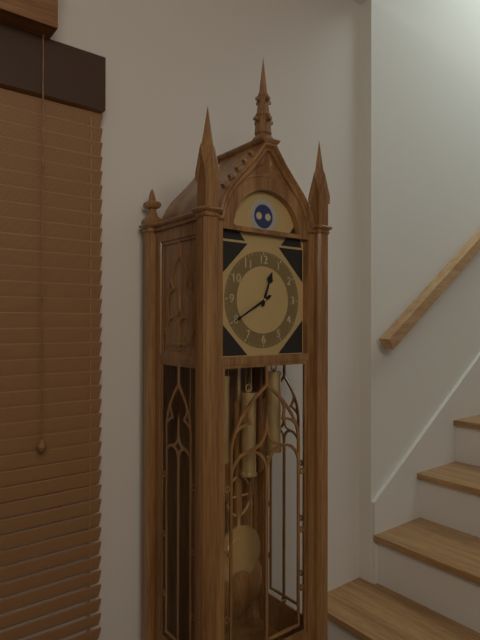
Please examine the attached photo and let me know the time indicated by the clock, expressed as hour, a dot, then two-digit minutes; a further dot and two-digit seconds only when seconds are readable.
12.40
